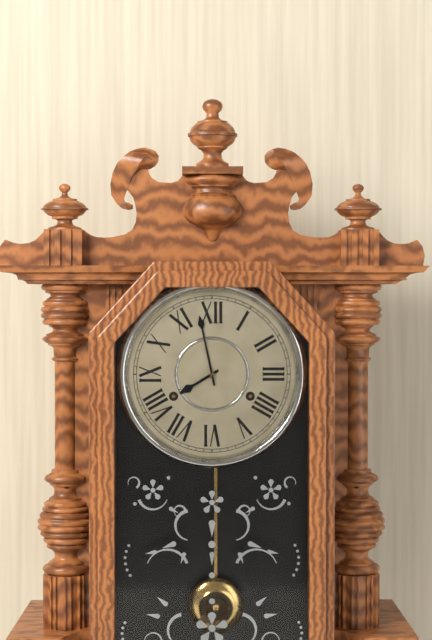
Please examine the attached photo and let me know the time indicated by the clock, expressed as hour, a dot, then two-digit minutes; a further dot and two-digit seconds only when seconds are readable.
7.58
